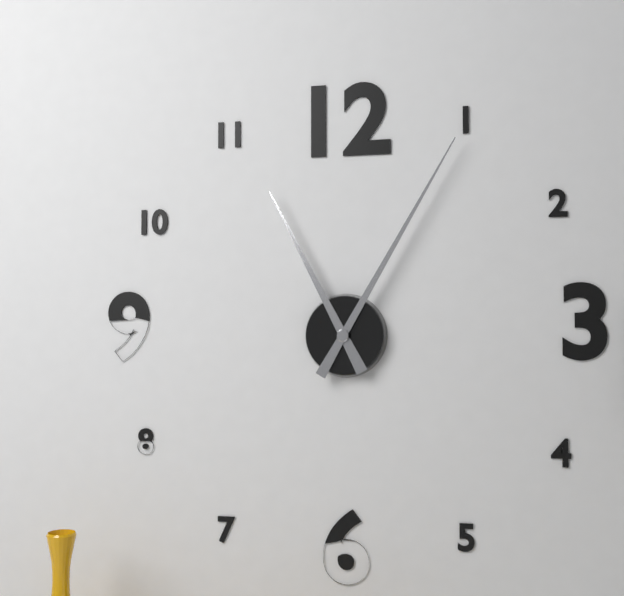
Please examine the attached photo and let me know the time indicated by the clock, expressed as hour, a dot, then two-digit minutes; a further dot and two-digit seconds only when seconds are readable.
11.05
